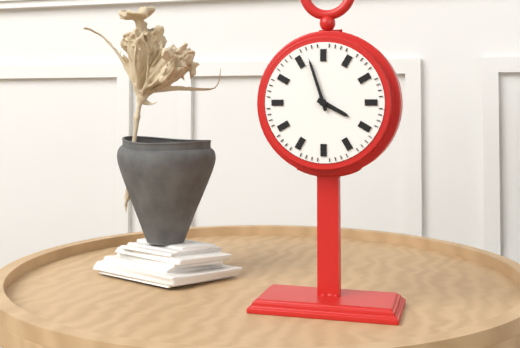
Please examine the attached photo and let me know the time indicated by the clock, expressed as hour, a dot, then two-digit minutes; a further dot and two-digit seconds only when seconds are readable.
3.57
